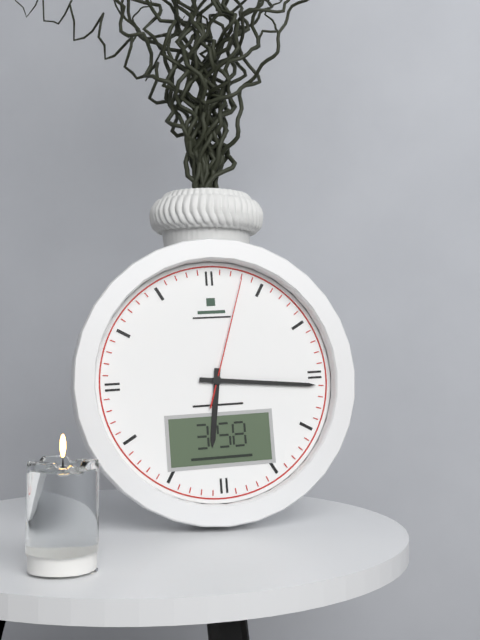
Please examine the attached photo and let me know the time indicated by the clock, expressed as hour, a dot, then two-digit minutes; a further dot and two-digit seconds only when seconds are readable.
6.16.03
